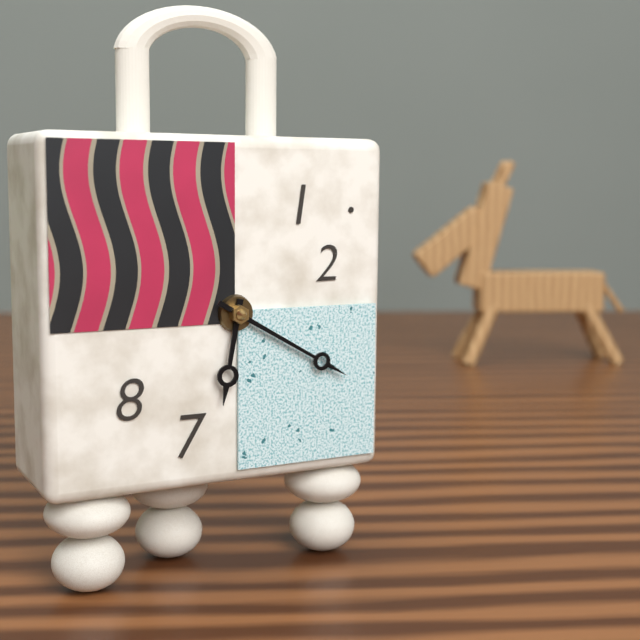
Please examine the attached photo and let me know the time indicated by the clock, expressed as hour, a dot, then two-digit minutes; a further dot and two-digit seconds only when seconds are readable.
6.20
